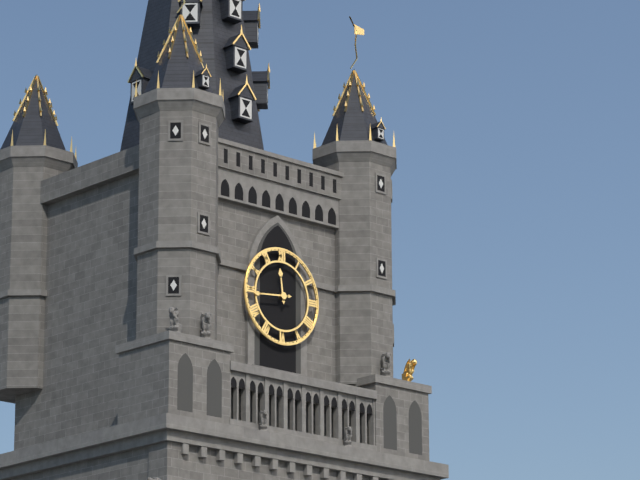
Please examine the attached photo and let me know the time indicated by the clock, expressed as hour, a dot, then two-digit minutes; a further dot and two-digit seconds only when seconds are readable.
11.44
